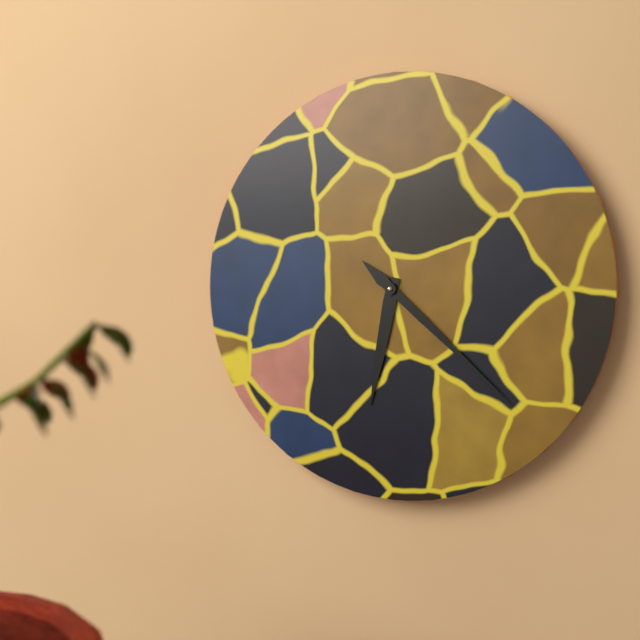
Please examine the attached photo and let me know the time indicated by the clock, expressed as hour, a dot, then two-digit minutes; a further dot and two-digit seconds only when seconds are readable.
6.22
